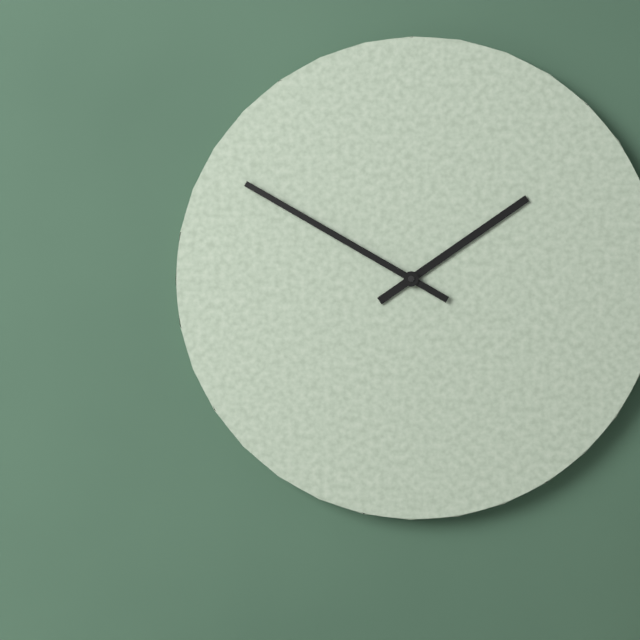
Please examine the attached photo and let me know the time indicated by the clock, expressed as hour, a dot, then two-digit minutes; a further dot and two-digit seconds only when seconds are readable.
1.50
